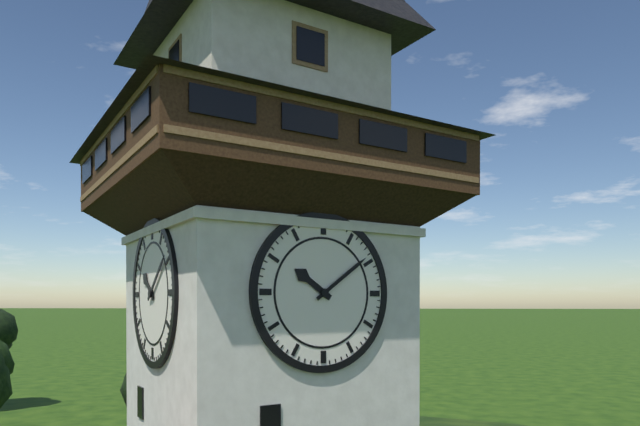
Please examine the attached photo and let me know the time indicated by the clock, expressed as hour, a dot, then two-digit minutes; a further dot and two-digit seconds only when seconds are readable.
10.09
